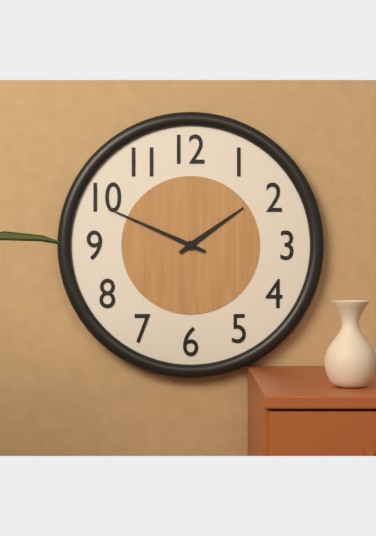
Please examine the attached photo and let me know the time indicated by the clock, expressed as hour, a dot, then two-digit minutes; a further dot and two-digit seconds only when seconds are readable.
1.49
